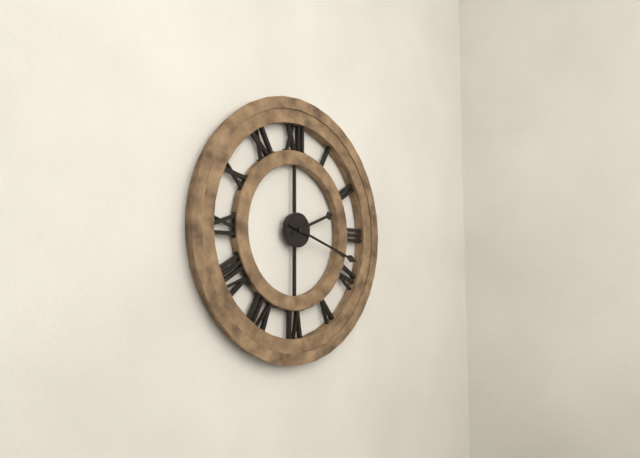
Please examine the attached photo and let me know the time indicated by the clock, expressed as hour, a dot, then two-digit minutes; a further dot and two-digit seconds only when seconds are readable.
2.18
